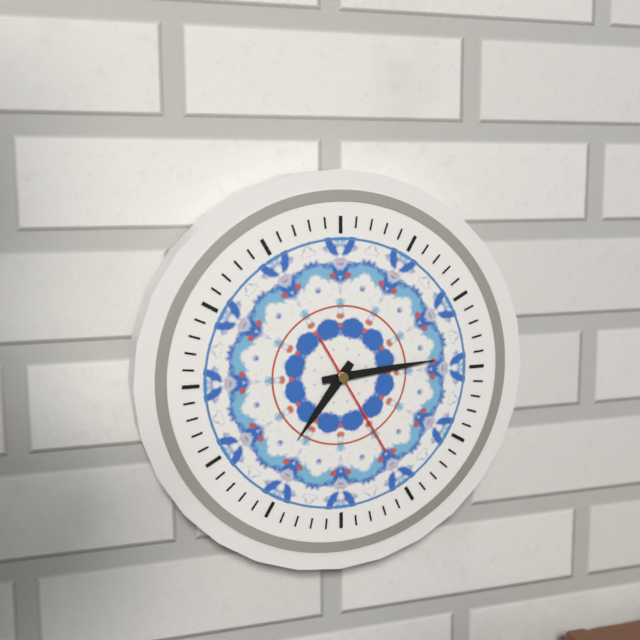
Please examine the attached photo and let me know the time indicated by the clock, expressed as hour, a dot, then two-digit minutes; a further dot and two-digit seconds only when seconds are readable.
7.14.25
